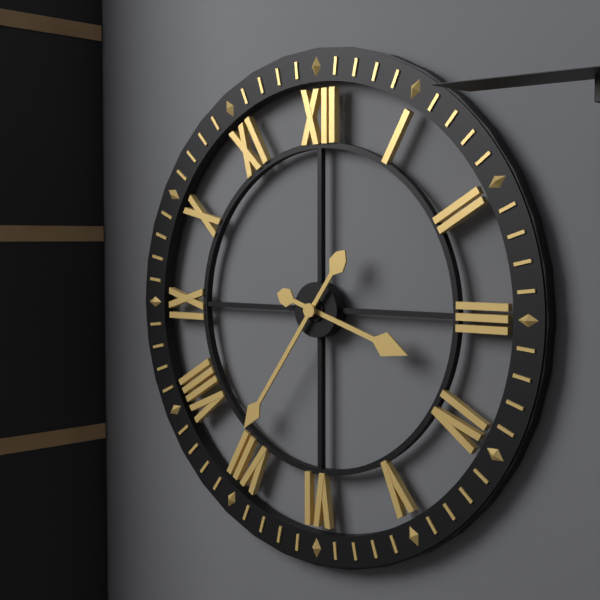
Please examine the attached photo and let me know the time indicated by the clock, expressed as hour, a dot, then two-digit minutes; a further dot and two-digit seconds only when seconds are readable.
3.36
